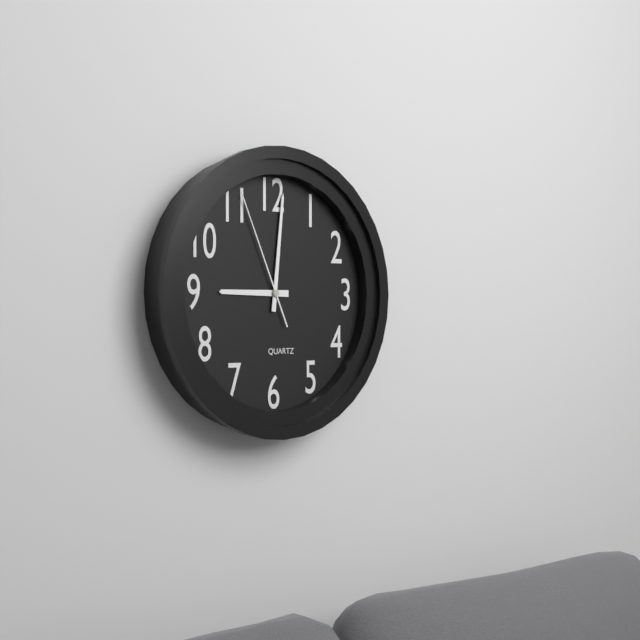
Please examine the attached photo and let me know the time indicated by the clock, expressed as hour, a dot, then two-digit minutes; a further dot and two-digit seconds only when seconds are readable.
9.01.56
